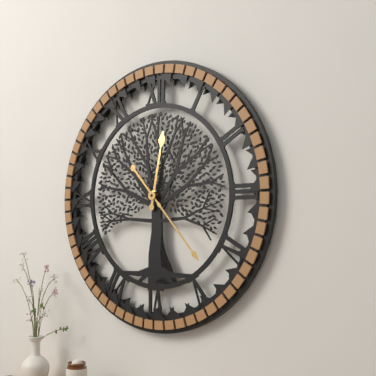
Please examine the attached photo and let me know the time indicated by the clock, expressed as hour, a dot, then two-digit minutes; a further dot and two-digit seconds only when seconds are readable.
12.23
